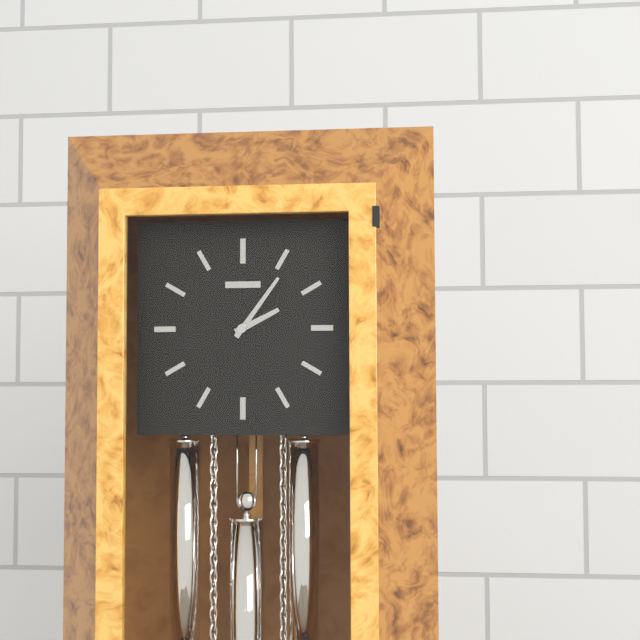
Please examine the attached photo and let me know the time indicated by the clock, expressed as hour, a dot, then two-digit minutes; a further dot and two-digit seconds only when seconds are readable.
2.06
